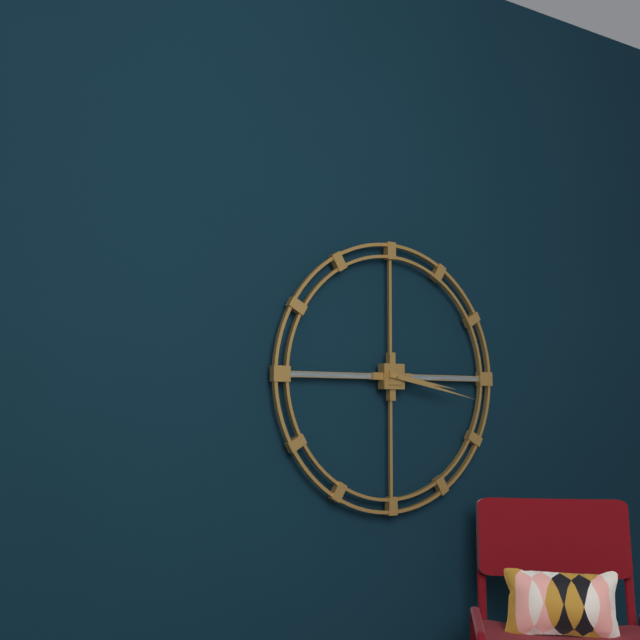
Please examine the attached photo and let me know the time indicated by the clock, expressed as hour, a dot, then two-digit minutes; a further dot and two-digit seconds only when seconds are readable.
3.17
